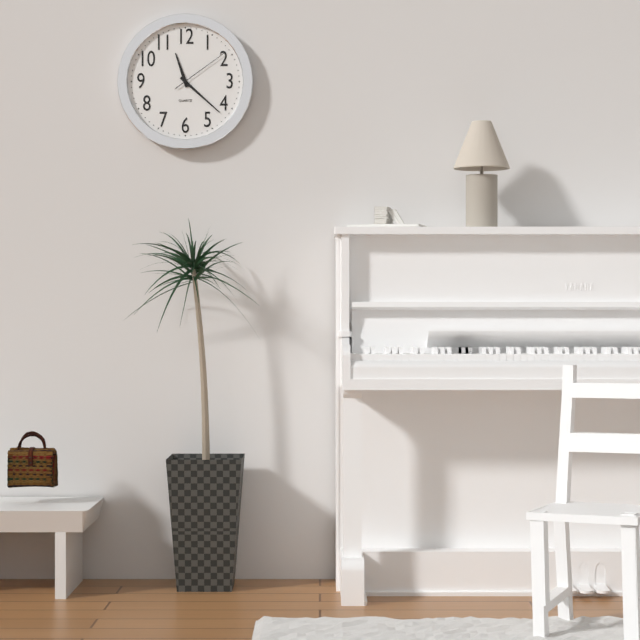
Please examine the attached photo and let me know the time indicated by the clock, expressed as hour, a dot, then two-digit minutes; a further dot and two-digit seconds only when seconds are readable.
11.22.09
